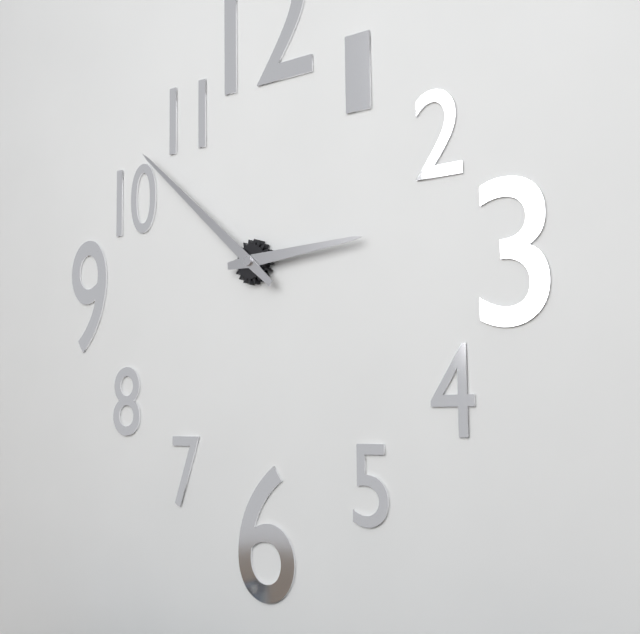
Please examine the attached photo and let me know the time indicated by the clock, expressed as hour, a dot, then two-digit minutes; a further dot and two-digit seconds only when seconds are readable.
2.52
